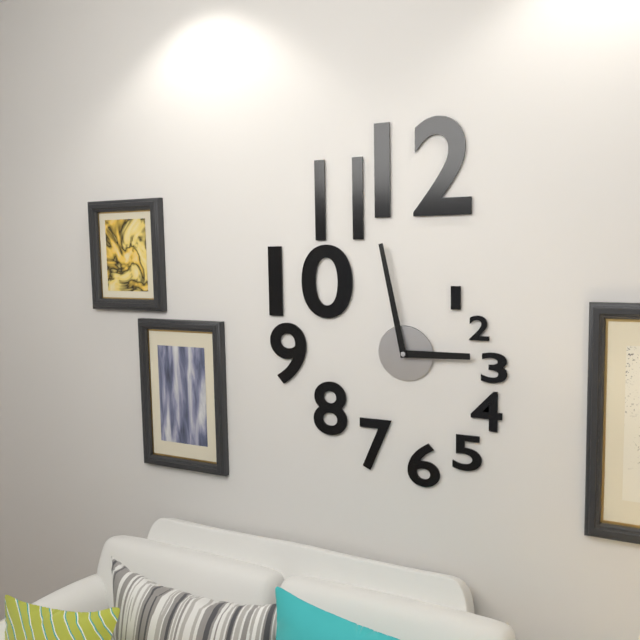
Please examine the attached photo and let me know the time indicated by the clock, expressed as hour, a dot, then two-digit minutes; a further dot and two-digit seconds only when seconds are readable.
2.58
